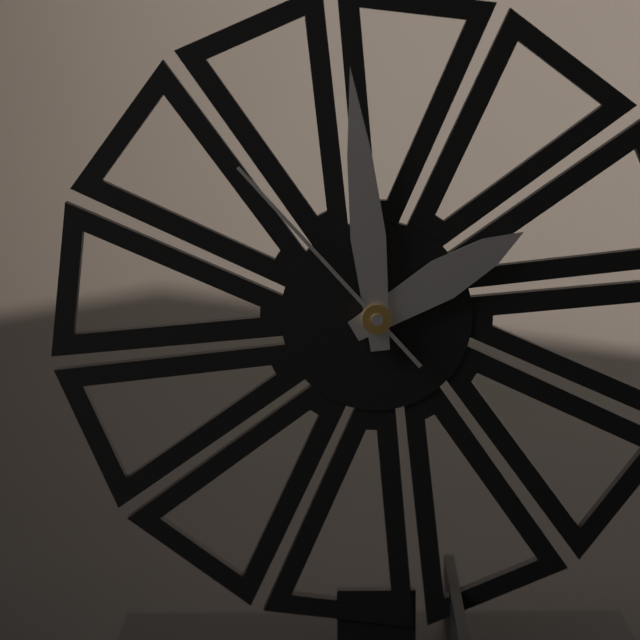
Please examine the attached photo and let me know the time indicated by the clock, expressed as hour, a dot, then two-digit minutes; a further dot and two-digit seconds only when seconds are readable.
1.59.53
